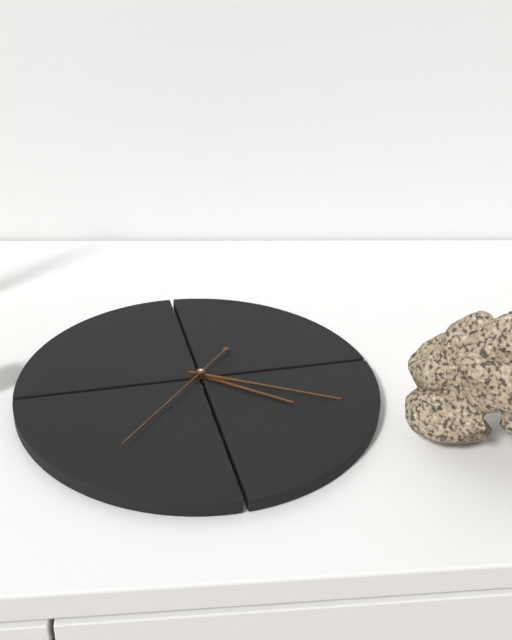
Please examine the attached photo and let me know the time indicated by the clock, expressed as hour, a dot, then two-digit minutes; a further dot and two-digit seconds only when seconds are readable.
4.20.37
